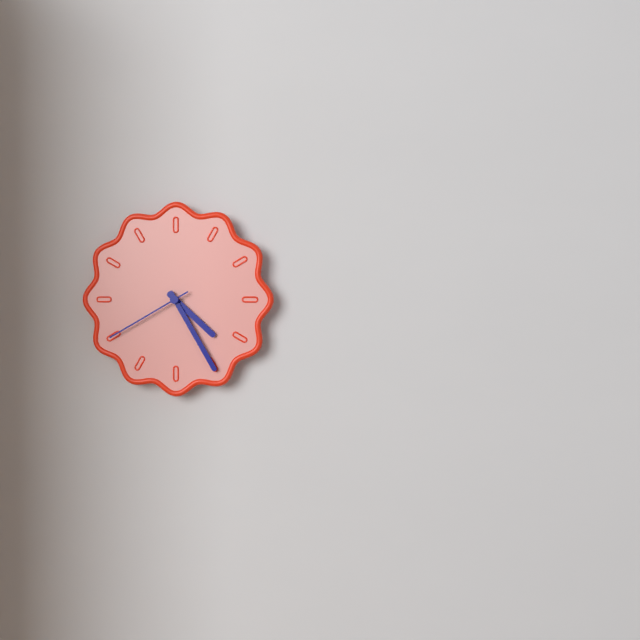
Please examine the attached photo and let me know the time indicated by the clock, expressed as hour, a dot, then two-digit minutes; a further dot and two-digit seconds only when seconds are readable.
4.25.40
